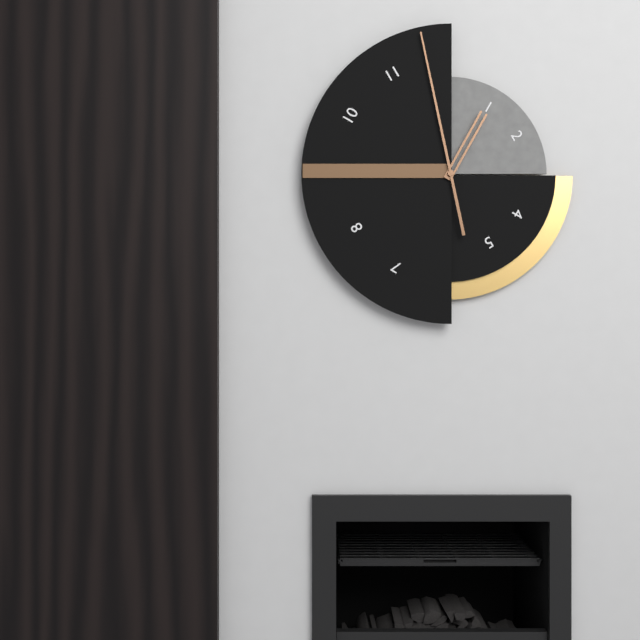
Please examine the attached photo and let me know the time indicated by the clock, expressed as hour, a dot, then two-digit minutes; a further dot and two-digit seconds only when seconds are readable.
12.58
